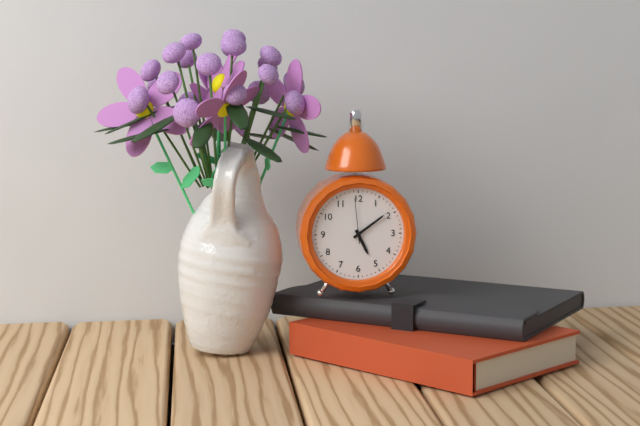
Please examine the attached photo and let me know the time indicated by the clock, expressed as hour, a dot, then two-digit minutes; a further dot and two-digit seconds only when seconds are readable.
5.09
